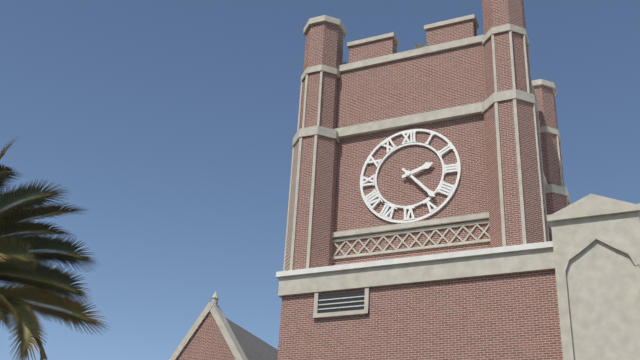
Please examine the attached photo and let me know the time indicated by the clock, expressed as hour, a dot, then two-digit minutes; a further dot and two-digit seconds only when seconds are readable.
2.23
